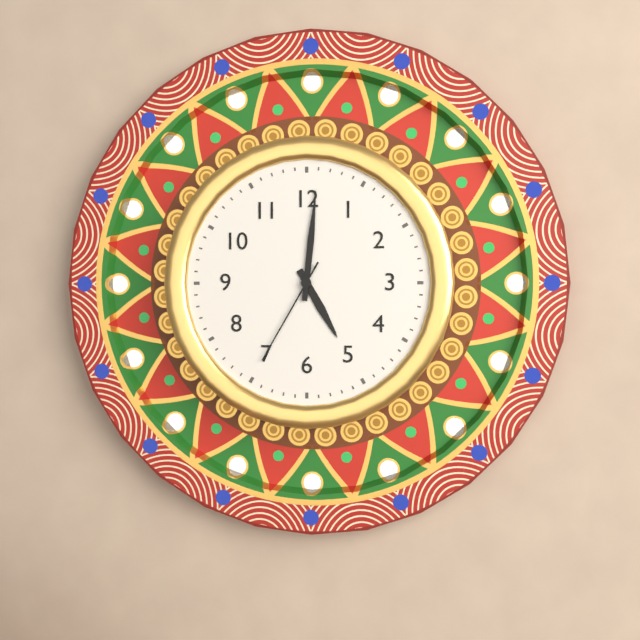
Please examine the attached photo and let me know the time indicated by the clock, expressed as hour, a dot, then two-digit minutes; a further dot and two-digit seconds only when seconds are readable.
5.01.35
